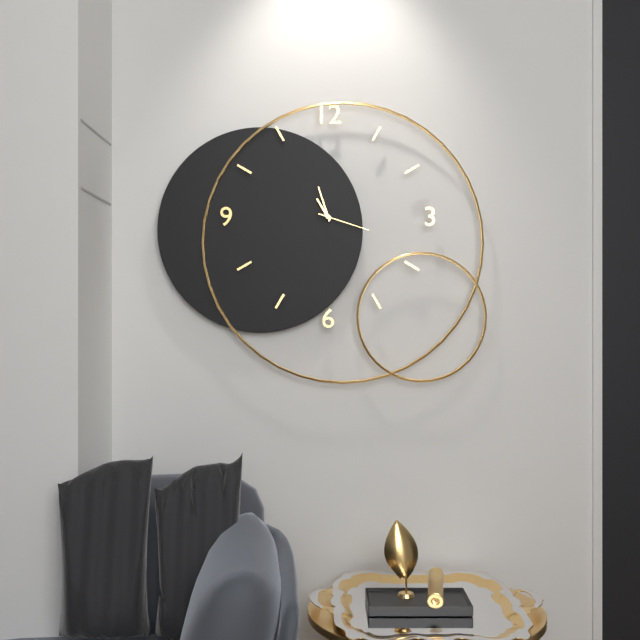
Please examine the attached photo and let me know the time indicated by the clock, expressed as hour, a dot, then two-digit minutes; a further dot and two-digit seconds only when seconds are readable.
10.57.18
